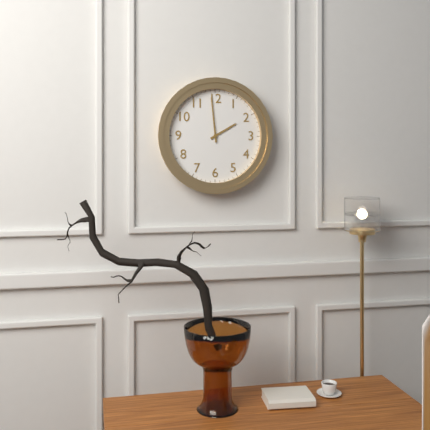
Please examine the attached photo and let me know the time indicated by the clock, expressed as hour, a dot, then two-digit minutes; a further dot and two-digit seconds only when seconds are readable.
1.59
